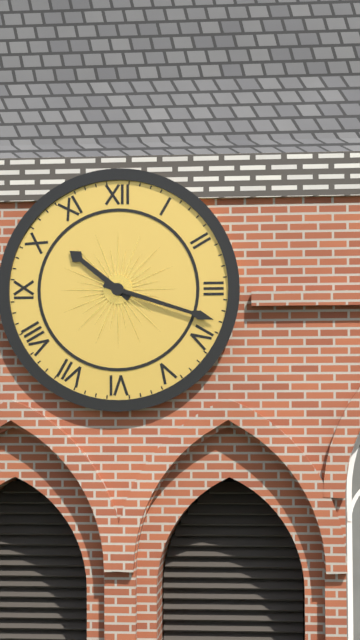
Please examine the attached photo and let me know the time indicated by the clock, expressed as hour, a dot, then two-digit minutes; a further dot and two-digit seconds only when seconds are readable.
10.18
